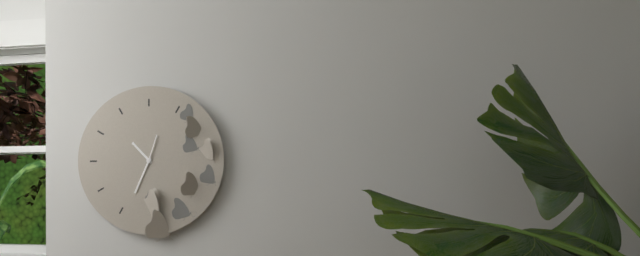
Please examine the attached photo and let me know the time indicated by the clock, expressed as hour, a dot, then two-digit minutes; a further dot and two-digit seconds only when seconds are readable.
10.34
